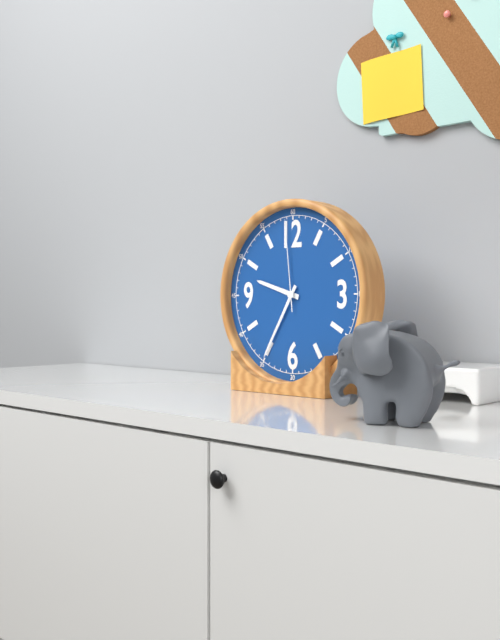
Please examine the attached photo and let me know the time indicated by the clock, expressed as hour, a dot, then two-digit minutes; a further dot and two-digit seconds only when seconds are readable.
9.35.59
